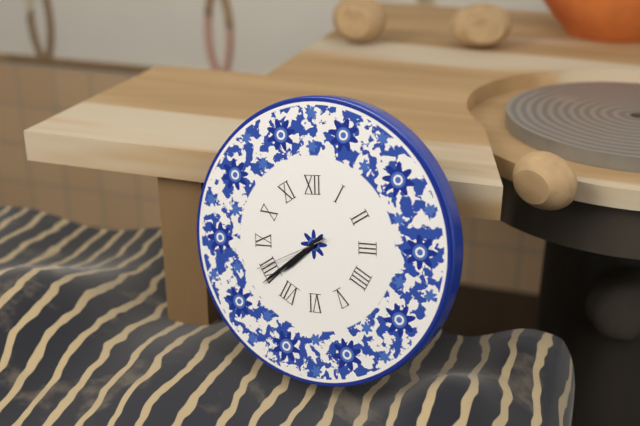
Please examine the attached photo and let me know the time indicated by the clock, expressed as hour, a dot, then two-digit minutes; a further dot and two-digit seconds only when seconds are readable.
7.39.41
